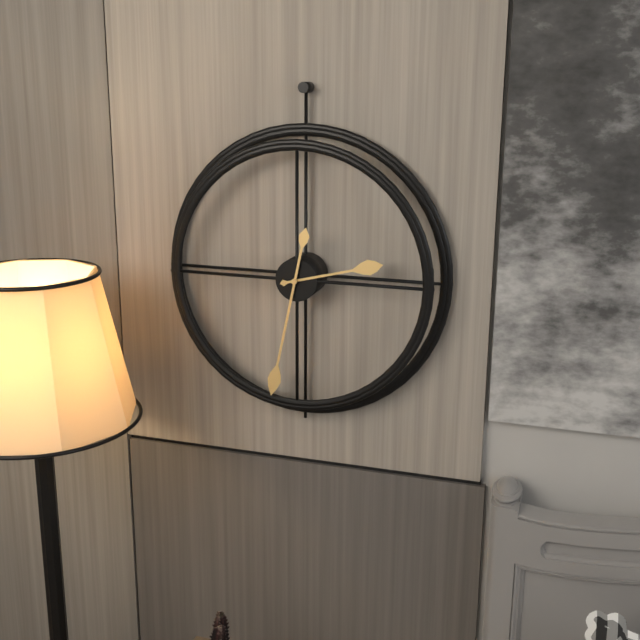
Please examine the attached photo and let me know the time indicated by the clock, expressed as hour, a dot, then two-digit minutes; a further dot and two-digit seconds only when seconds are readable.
2.32
